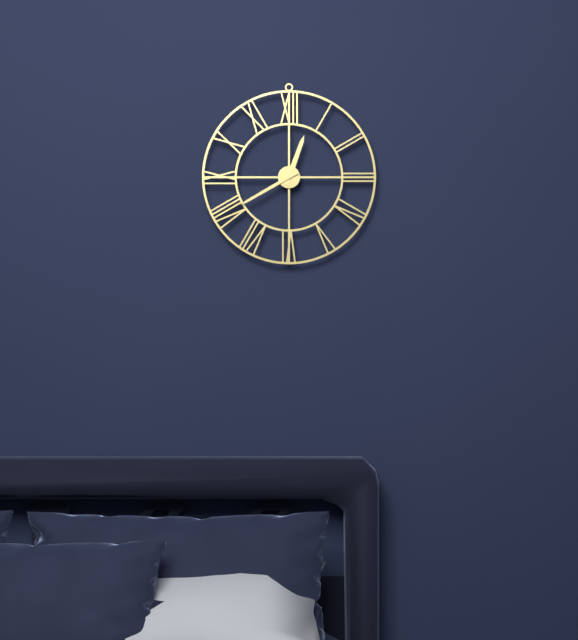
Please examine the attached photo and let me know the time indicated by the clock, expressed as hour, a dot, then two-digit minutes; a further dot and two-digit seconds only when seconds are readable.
12.40
